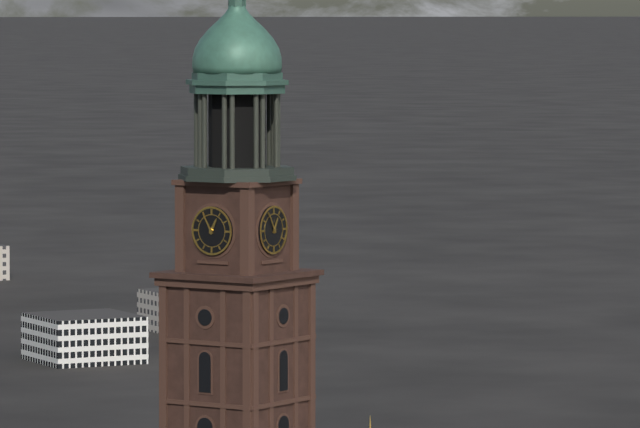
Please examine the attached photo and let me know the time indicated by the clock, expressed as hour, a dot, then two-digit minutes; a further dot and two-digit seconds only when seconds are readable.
12.55
